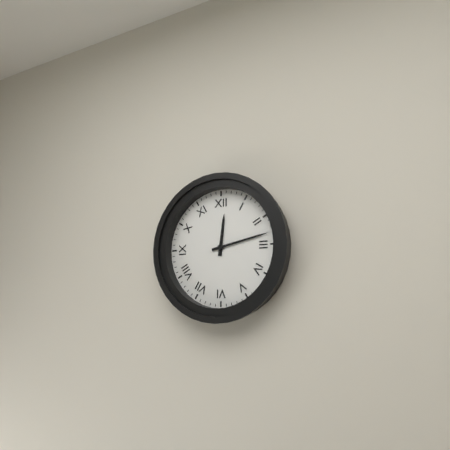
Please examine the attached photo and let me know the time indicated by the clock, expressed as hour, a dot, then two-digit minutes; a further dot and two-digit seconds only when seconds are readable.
12.13
